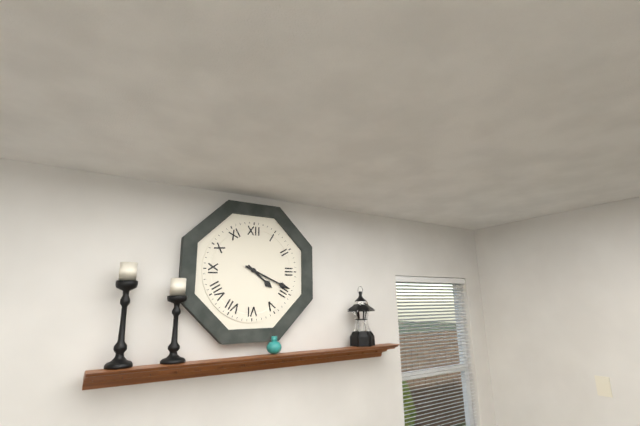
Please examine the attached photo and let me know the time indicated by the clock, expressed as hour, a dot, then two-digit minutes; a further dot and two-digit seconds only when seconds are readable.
4.19
